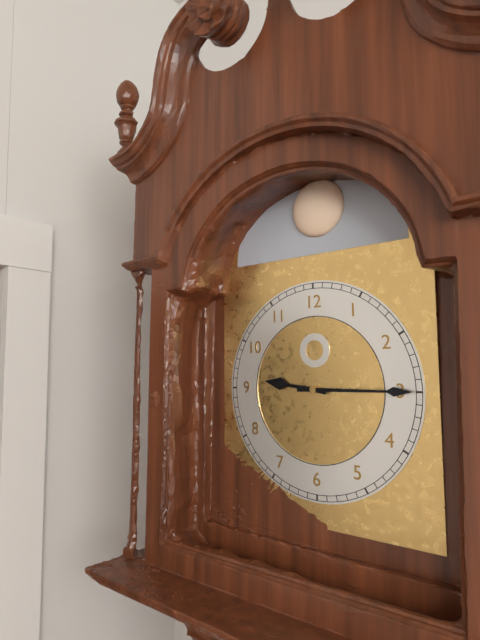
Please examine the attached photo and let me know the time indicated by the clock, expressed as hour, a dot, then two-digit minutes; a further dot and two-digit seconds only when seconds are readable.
9.15
